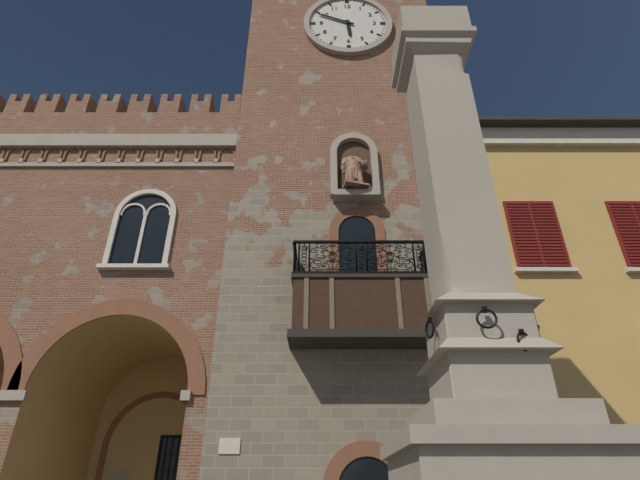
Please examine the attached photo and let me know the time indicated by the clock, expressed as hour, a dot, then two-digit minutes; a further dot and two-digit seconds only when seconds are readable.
5.49
